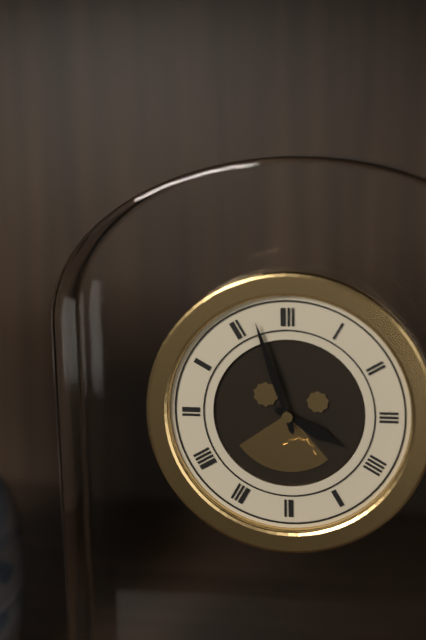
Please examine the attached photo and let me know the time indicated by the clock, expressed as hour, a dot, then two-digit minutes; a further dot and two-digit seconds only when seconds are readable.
3.57
